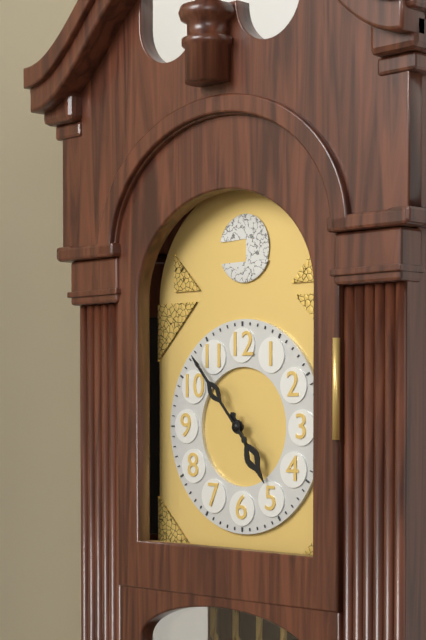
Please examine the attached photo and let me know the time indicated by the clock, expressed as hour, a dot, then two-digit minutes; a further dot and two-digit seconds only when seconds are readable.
4.53
